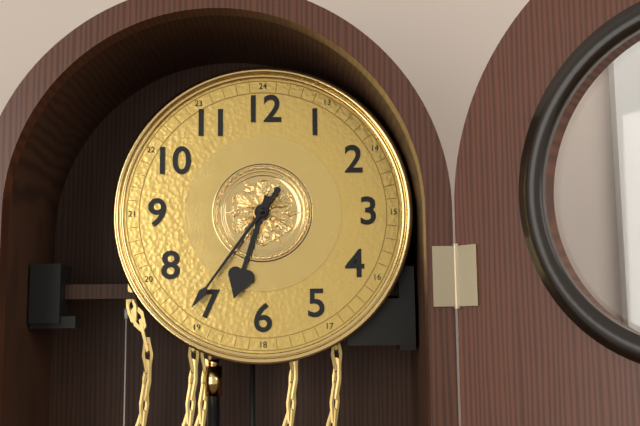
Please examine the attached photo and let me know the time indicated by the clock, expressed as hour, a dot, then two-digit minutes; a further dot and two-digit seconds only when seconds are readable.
6.36
